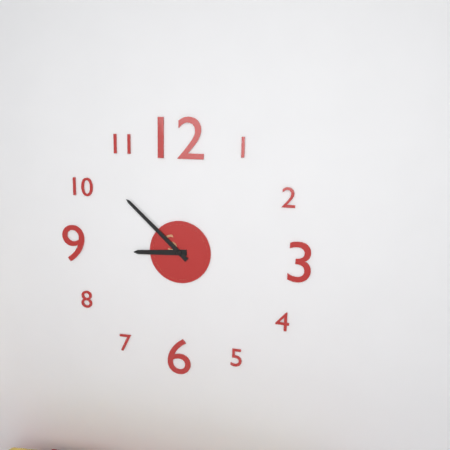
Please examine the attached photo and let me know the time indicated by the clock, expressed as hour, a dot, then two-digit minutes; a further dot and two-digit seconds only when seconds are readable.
8.52
